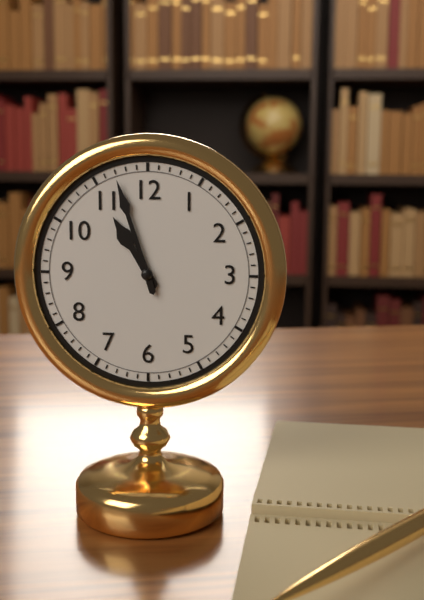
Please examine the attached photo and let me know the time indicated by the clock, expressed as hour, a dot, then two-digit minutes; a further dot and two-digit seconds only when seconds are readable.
10.57
